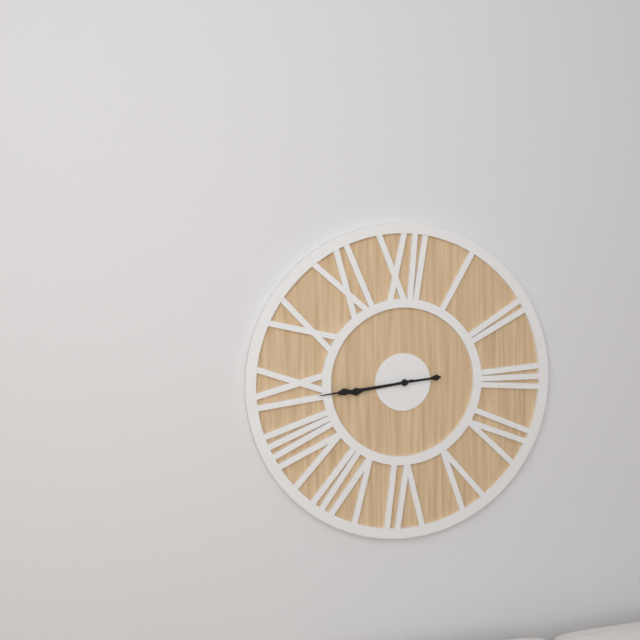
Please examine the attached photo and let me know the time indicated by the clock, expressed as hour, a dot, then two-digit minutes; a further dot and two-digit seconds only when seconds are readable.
8.44
